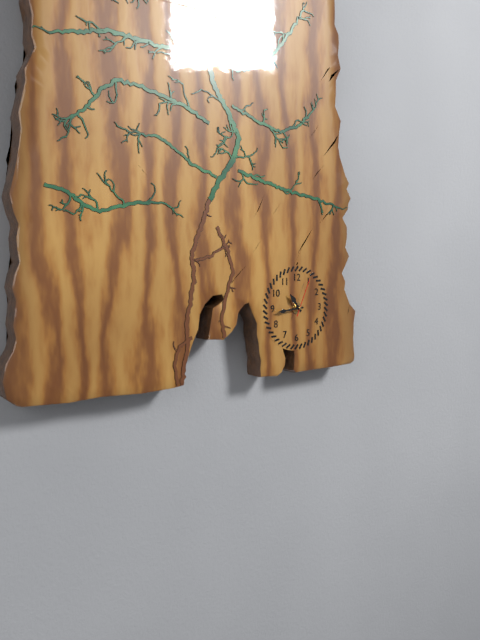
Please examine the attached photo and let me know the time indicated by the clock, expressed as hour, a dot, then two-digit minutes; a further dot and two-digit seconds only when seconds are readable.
10.44
